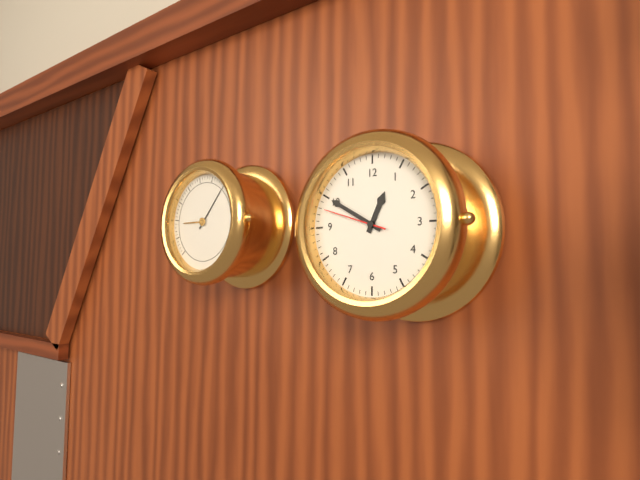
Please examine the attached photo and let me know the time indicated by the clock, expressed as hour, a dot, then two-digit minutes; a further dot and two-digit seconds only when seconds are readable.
12.50.48
